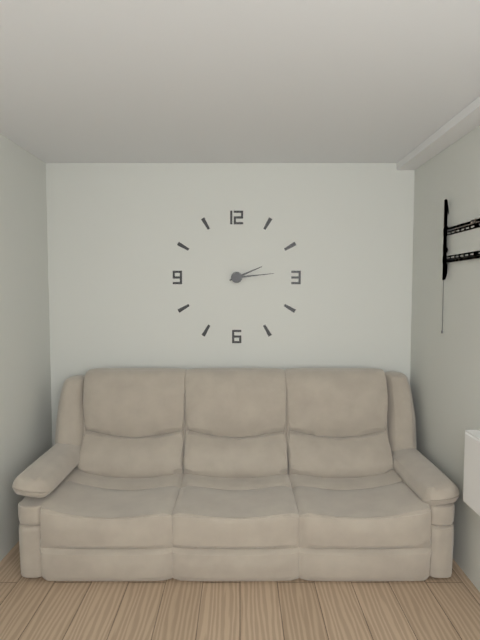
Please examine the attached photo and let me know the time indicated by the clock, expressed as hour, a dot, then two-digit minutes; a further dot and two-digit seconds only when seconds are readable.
2.14
